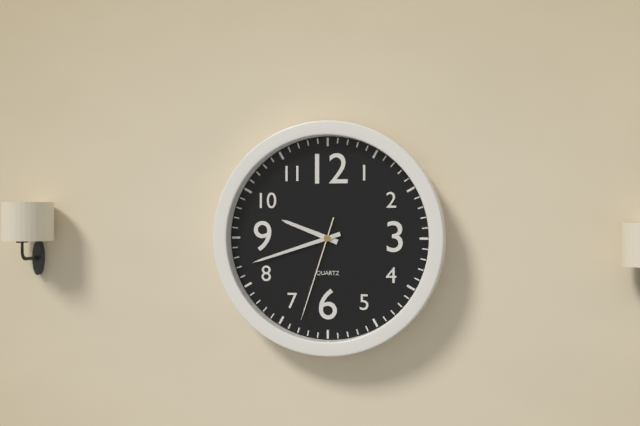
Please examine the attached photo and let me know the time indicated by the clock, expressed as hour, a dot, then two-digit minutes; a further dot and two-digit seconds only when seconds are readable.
9.42.33
